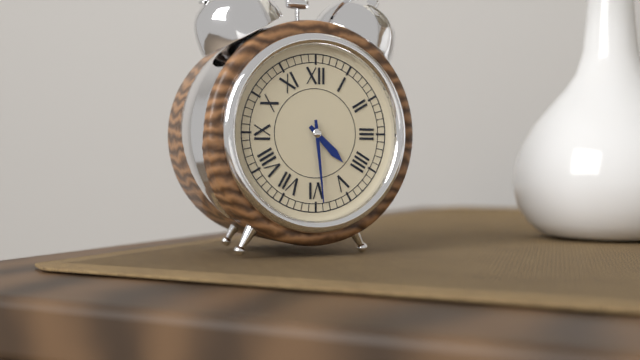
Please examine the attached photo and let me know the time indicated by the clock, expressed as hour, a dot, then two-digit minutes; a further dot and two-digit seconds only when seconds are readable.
4.29
